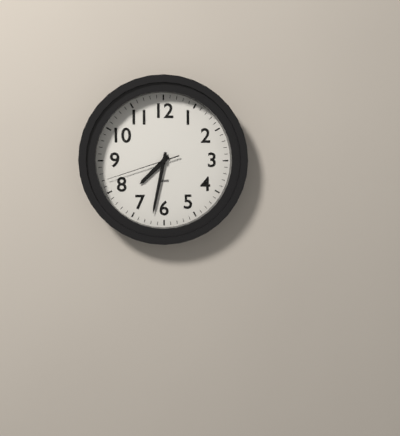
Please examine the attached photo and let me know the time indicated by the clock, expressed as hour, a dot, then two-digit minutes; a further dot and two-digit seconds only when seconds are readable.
7.32.42
